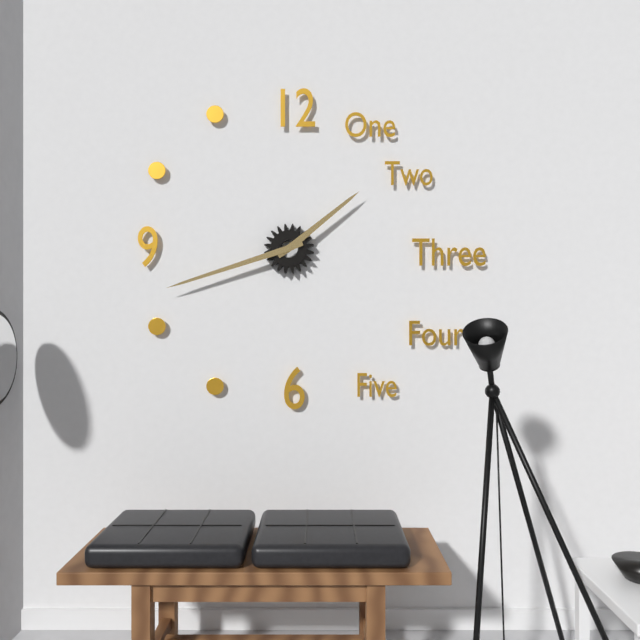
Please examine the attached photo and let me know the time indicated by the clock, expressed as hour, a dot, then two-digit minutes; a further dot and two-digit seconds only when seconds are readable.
1.42
